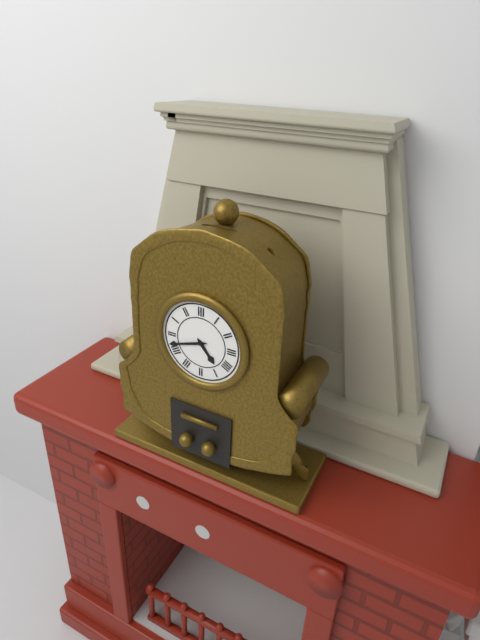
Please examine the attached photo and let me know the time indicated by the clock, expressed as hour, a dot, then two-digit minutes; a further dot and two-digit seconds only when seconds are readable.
4.42
